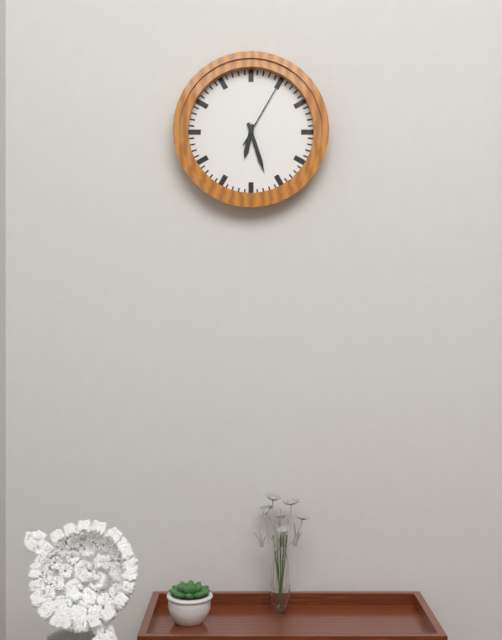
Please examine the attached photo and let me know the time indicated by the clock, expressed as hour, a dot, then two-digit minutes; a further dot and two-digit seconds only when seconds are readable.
6.27.05
